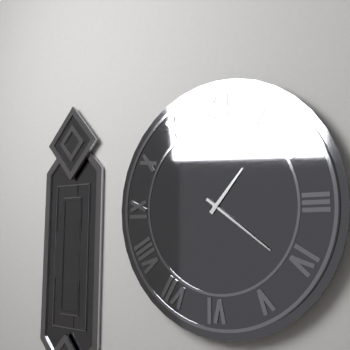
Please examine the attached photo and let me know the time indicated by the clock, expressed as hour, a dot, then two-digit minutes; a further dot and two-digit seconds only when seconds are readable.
1.21
